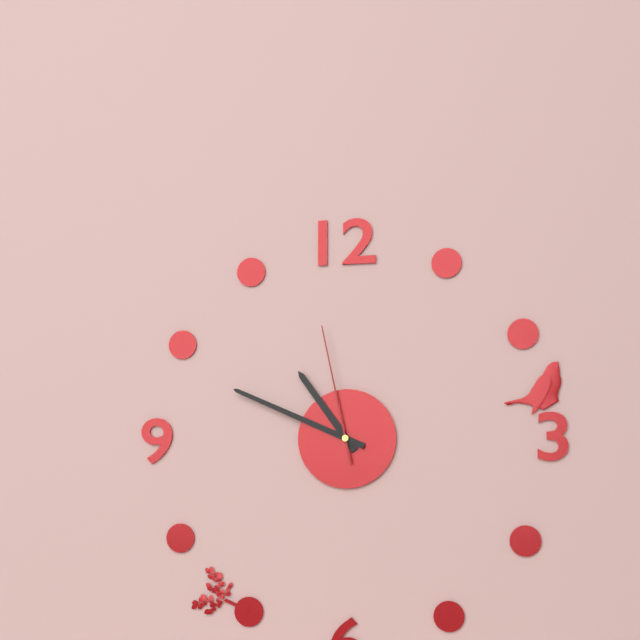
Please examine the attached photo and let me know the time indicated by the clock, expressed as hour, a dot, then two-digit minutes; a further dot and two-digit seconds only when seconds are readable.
10.49.58
